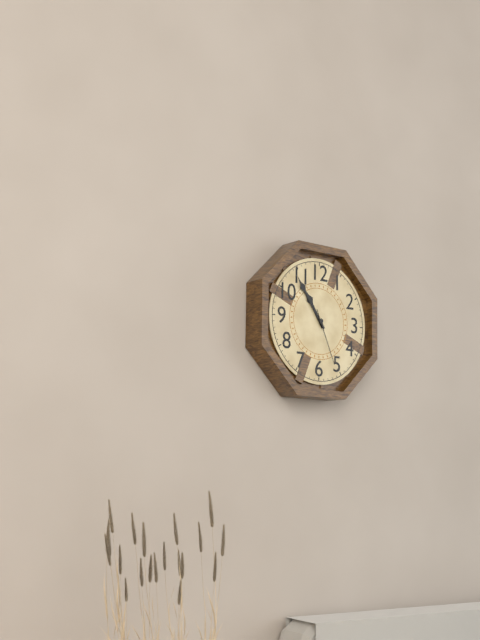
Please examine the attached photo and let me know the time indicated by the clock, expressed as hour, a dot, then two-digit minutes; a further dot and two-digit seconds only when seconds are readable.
10.54.26
